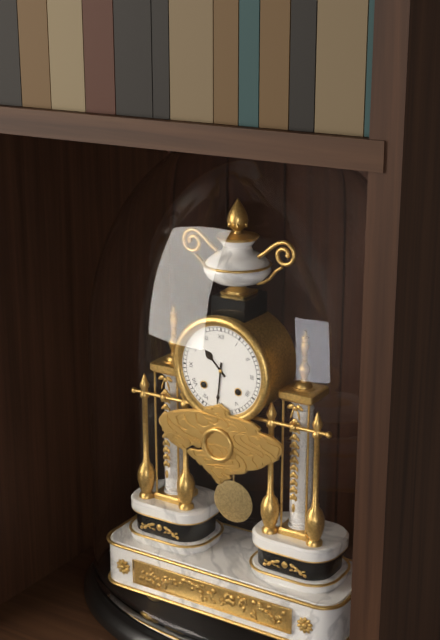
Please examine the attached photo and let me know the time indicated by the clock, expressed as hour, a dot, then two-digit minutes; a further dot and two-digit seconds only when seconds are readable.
10.31
